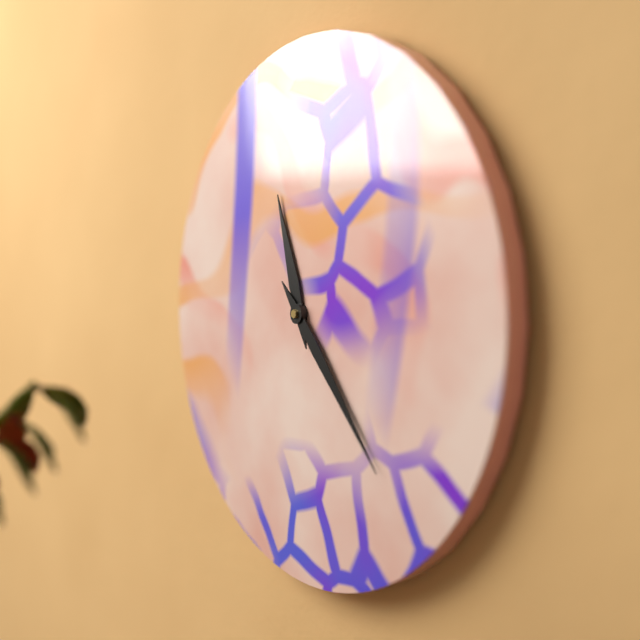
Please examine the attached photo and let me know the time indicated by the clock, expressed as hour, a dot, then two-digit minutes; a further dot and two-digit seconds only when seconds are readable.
11.23
